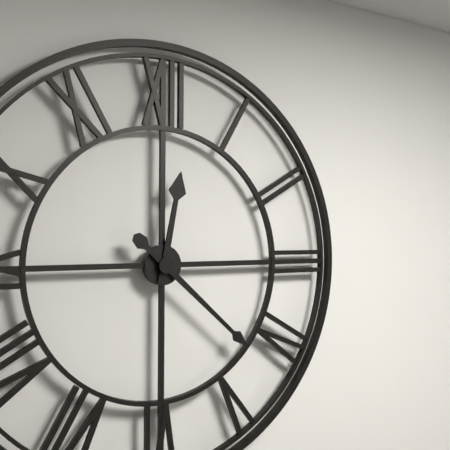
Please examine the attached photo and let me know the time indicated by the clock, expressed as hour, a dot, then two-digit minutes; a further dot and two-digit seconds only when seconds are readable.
12.22
